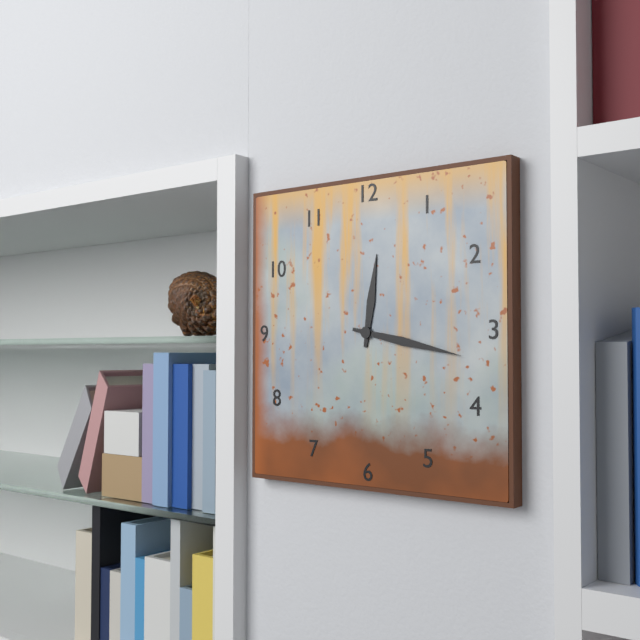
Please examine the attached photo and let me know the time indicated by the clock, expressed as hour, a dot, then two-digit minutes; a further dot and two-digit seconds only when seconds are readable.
12.17
